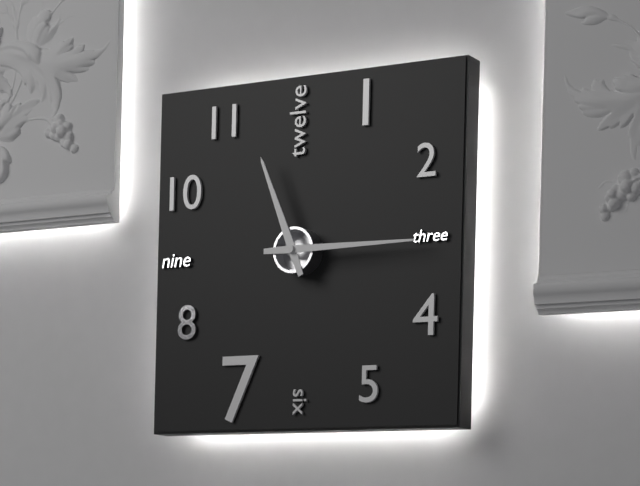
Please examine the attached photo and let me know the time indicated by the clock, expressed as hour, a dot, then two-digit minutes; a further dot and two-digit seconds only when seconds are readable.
11.15
